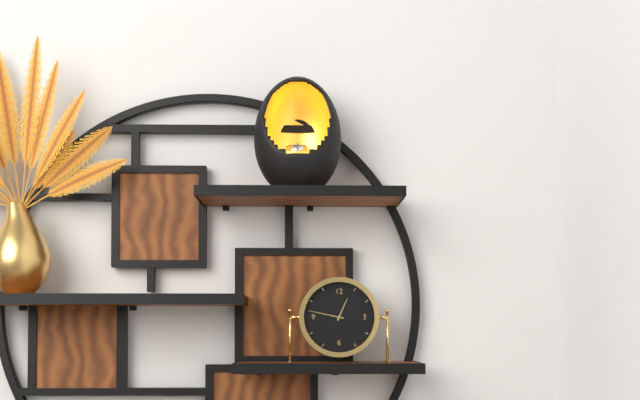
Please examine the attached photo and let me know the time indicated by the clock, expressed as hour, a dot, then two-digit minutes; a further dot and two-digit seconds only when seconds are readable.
12.47
